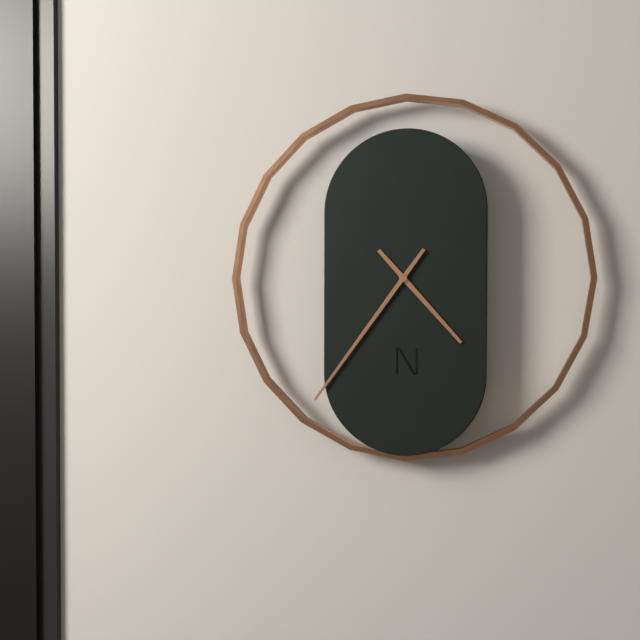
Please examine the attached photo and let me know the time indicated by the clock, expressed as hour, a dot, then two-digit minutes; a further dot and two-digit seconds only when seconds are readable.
4.36
